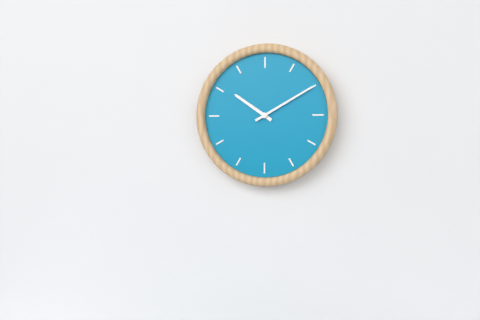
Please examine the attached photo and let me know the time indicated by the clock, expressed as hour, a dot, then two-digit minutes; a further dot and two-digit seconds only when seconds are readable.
10.10
